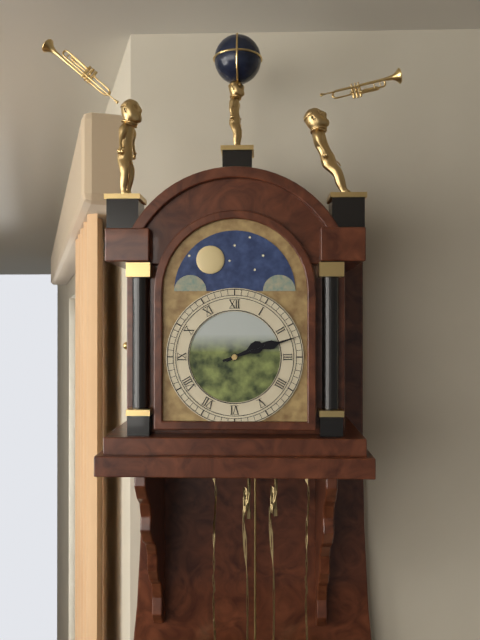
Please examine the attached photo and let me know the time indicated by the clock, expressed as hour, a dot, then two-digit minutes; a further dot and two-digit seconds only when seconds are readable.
2.12
